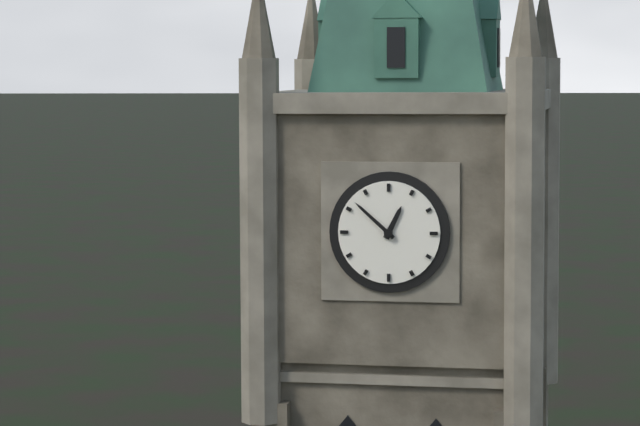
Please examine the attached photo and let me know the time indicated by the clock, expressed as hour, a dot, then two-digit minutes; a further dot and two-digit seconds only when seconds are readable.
12.52
